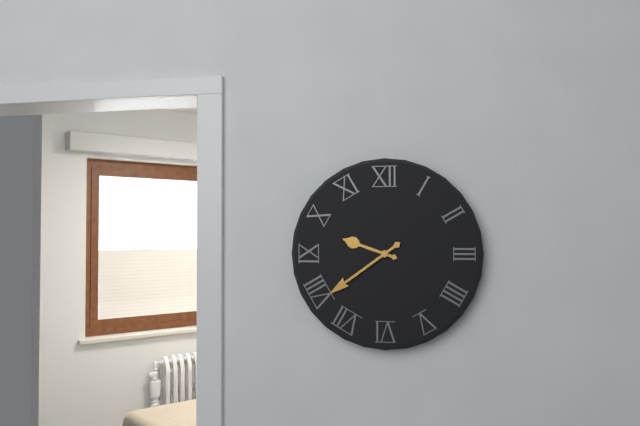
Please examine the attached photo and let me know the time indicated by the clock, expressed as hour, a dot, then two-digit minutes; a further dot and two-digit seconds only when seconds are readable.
9.39
